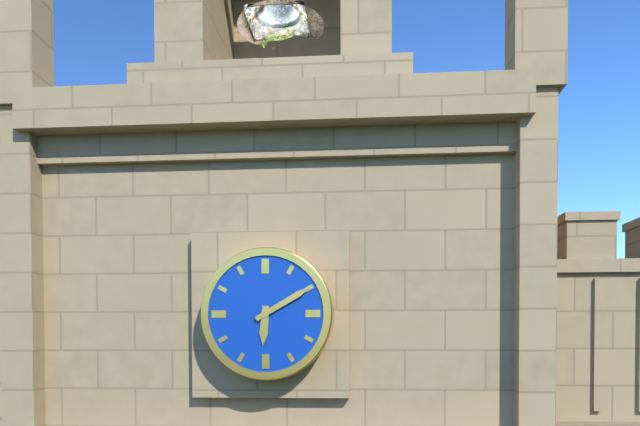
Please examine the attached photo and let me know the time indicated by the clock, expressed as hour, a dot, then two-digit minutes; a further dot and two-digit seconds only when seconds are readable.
6.10
